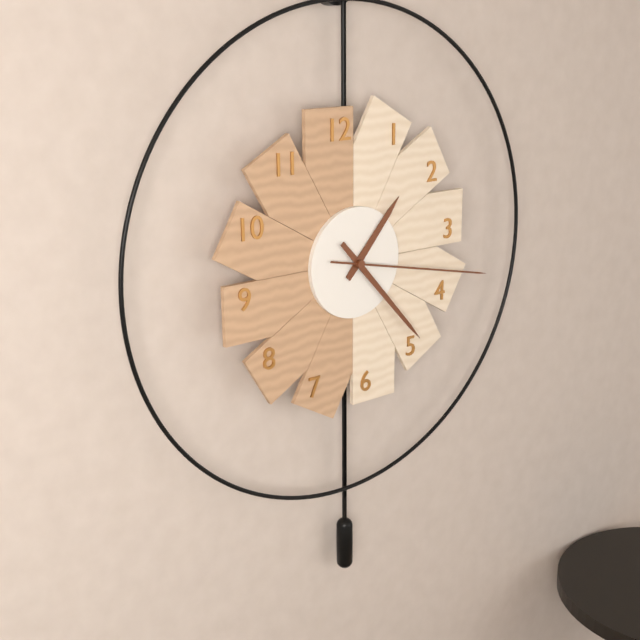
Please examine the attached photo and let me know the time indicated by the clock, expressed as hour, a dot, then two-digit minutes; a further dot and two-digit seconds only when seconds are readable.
1.23.17
